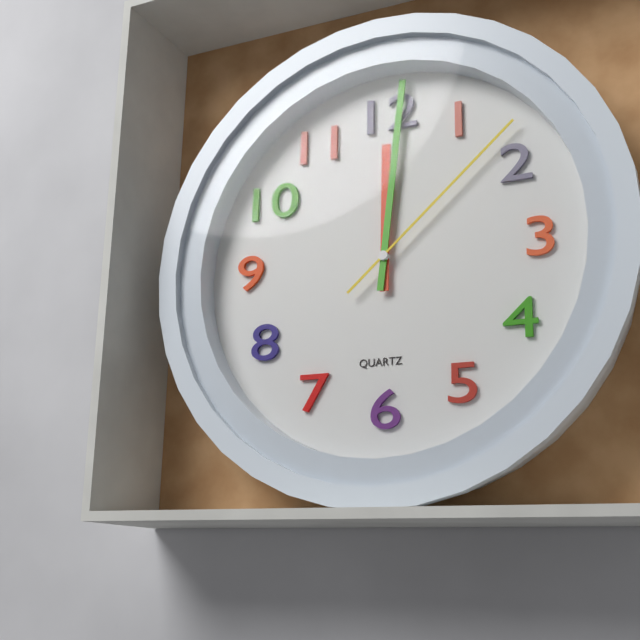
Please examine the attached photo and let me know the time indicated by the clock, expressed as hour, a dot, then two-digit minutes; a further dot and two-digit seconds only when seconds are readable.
12.01.08
